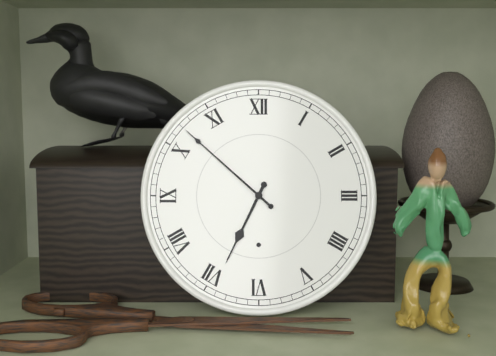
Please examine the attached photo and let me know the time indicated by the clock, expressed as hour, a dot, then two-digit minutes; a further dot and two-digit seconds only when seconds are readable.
6.52
